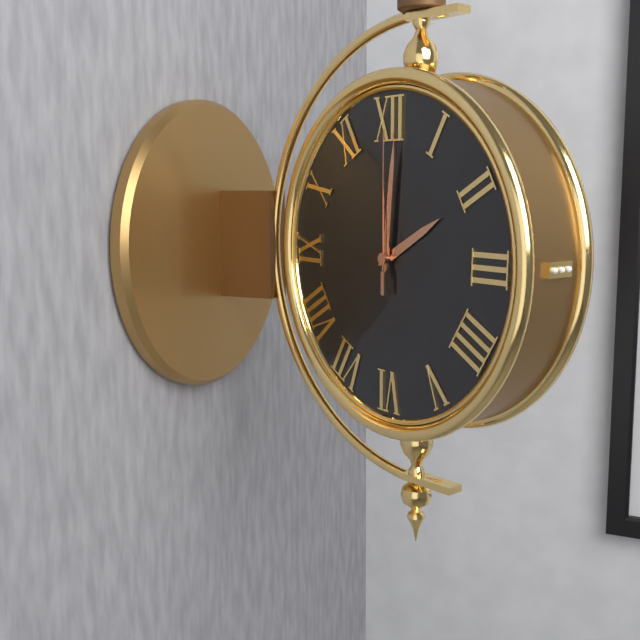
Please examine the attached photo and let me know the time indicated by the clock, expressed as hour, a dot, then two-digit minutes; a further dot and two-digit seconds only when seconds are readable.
2.01.00
